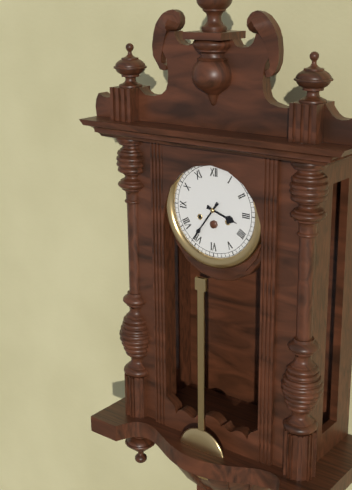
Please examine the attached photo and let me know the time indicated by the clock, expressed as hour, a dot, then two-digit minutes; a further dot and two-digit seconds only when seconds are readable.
3.36
